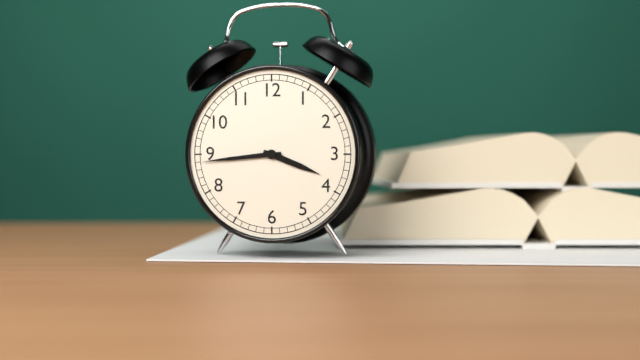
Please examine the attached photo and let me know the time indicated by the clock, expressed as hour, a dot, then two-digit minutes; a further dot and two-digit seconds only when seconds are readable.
3.44
